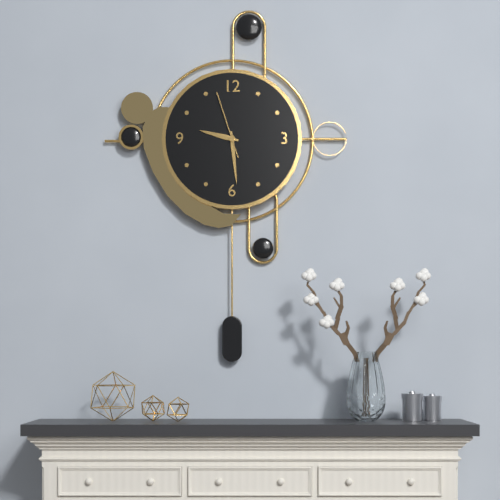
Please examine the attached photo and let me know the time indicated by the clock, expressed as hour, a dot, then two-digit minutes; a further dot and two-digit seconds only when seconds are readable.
9.29.57
